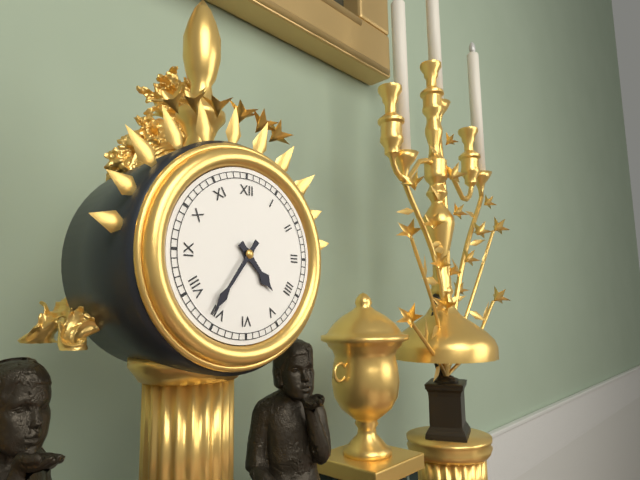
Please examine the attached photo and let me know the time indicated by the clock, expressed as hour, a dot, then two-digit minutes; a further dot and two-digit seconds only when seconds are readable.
4.36
